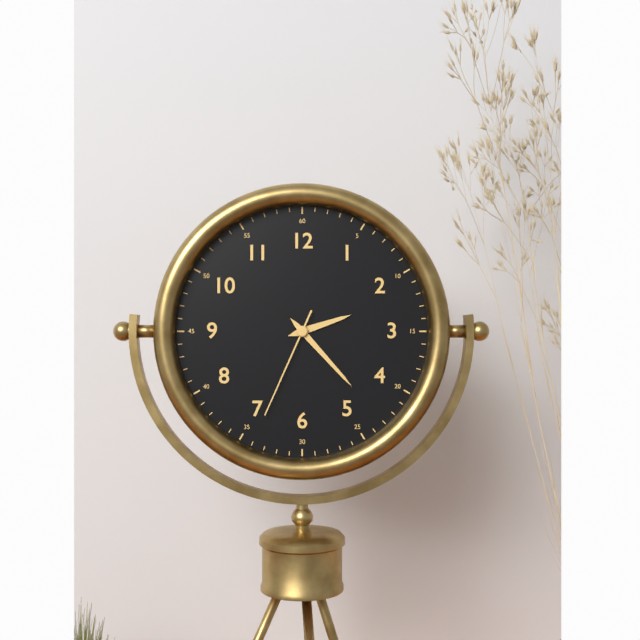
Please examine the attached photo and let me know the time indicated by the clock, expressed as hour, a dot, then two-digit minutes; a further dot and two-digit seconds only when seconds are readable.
2.23.34
